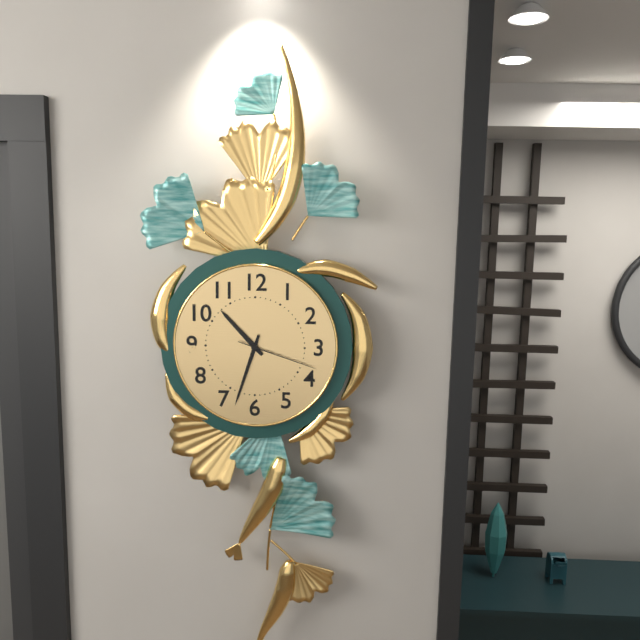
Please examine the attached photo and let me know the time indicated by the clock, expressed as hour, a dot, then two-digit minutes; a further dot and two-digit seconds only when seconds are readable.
10.33.18
